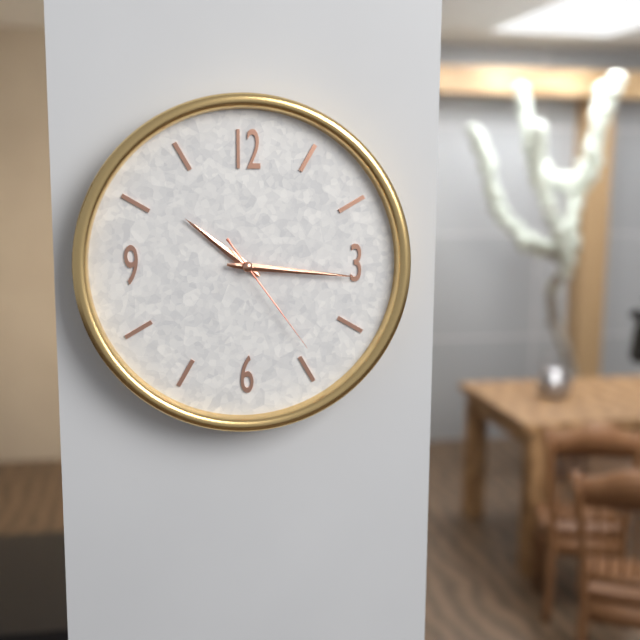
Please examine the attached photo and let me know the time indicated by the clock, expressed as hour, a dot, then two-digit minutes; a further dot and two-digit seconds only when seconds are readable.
10.16.24
